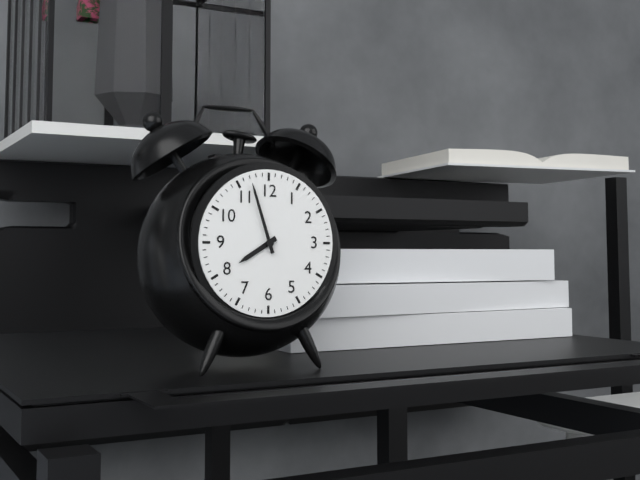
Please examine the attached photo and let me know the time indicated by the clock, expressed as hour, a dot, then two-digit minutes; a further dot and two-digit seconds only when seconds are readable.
7.57
